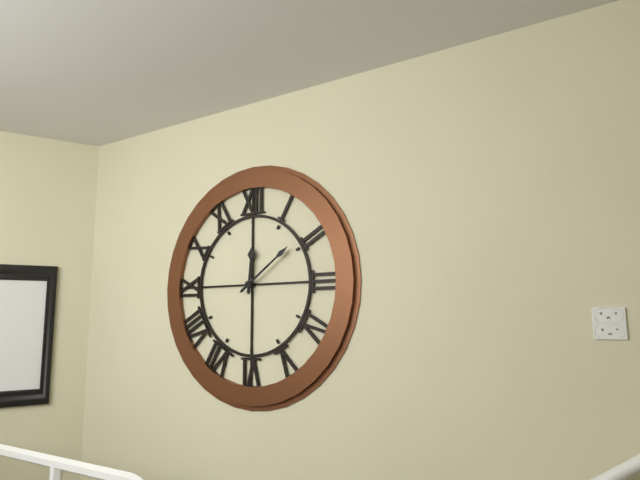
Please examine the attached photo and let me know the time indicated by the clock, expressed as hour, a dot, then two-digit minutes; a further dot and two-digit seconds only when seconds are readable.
12.09
